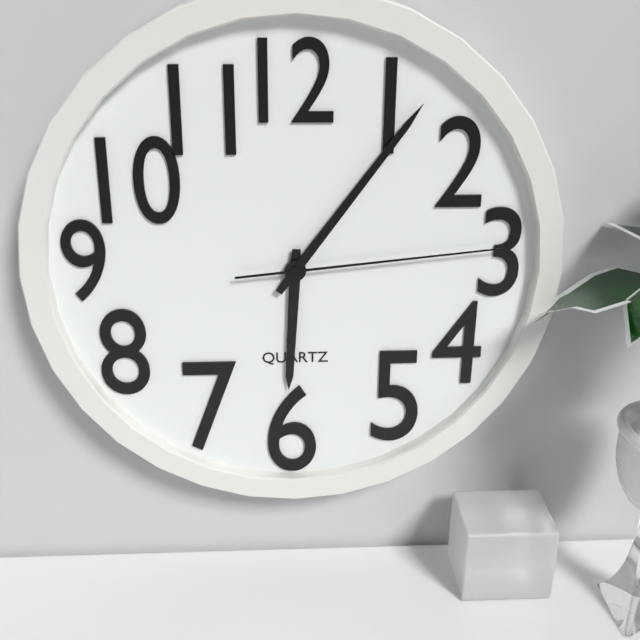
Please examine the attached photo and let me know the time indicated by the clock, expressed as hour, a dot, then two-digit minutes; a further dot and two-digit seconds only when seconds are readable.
6.06.14
